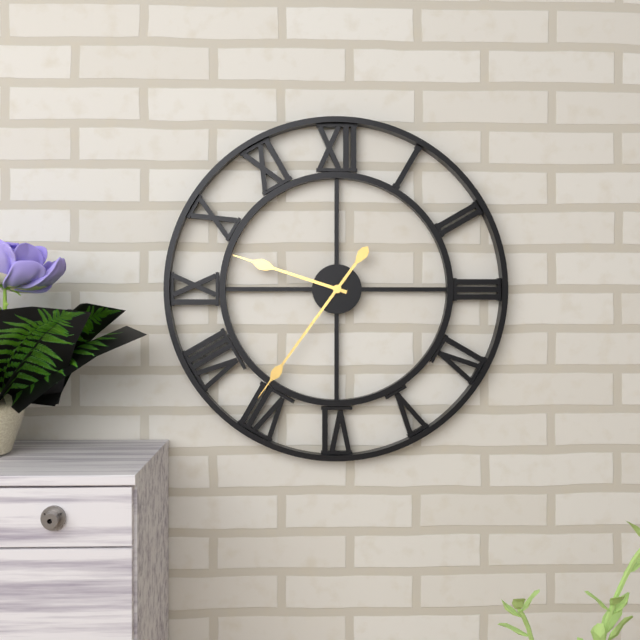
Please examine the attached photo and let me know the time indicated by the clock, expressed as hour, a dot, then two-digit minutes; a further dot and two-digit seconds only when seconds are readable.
9.36
